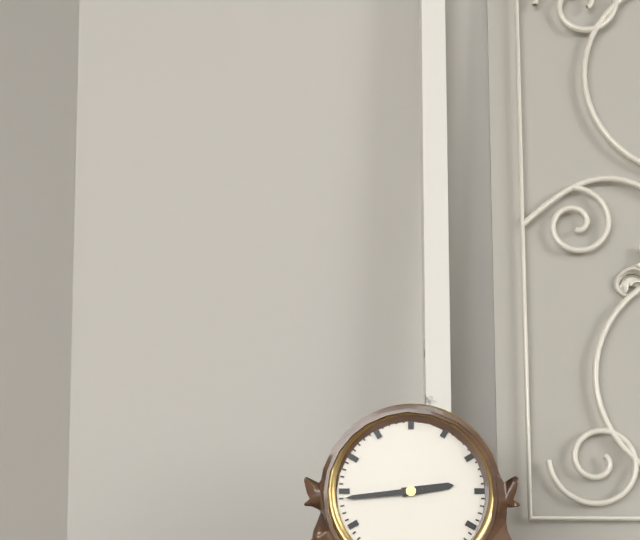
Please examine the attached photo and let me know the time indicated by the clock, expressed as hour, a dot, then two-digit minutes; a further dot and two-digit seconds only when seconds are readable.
2.44
